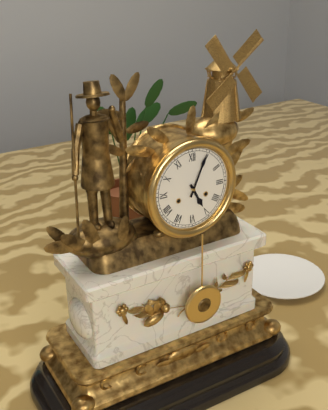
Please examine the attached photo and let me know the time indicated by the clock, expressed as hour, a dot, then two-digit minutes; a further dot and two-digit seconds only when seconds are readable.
5.04
